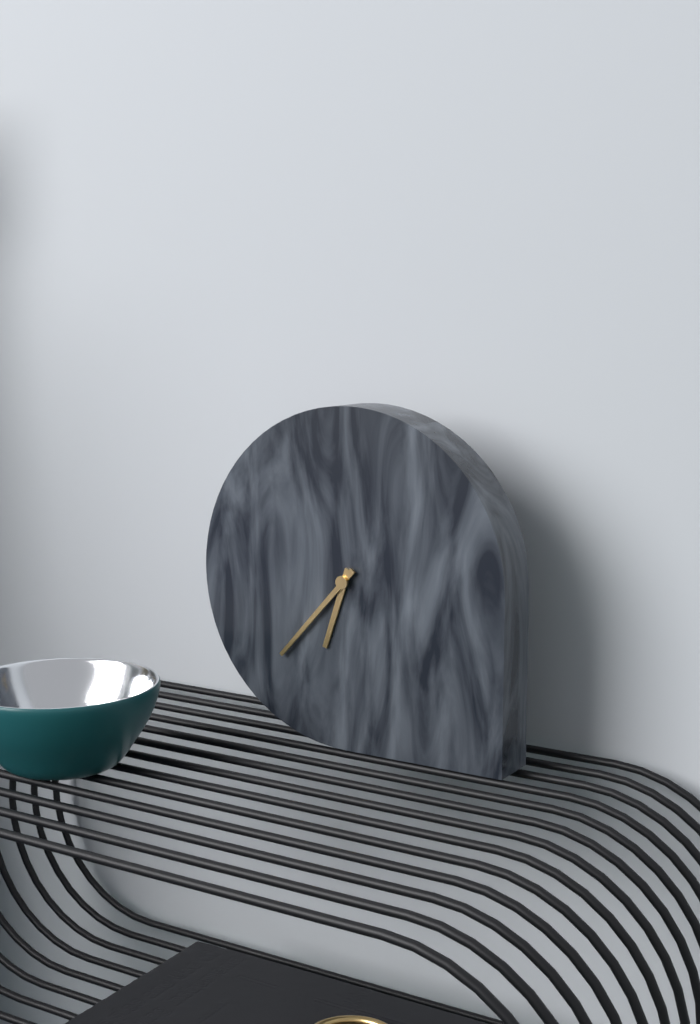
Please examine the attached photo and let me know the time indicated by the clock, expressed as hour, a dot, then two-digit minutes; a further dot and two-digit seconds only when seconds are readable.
6.37
